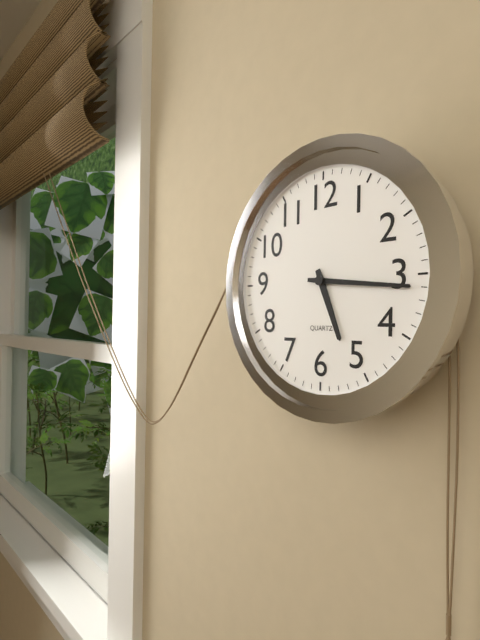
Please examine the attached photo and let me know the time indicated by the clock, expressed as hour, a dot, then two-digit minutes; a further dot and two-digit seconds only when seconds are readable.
5.16
